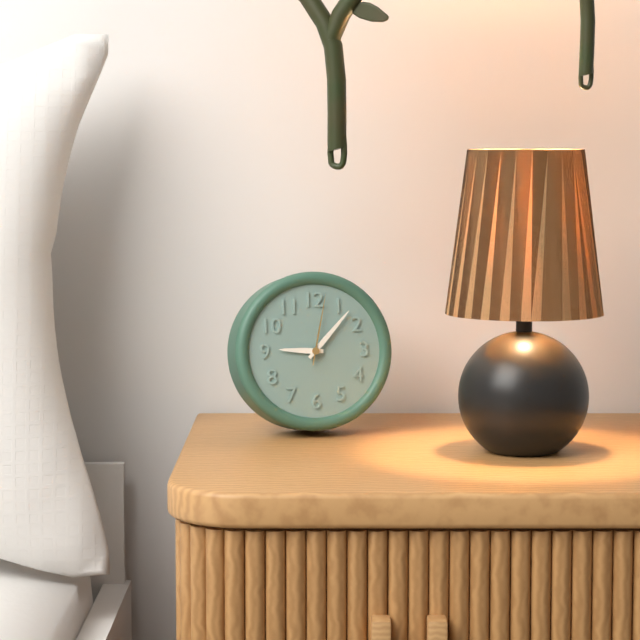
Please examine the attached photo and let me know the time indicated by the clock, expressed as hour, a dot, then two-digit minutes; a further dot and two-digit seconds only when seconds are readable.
9.07.02
